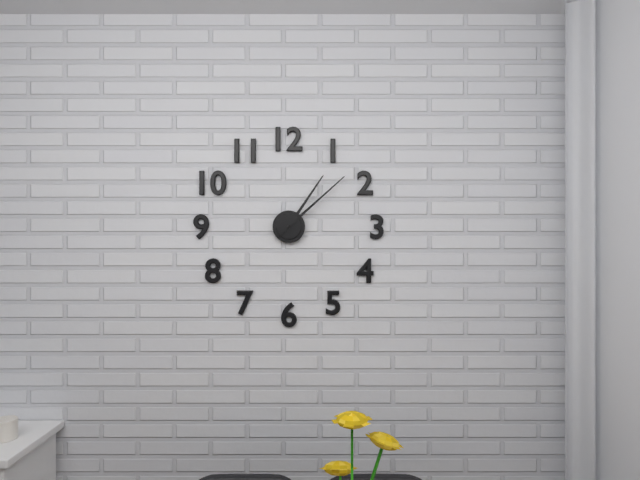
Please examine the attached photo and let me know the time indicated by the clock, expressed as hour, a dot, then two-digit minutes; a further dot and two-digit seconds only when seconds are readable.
1.08
